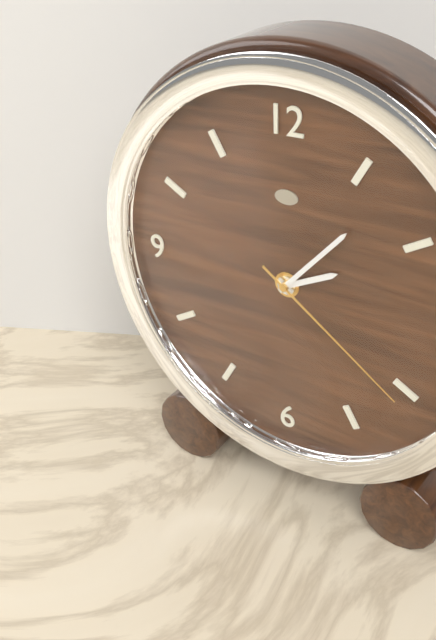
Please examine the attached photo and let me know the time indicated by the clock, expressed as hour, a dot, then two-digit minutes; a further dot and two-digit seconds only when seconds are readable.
2.07.21
